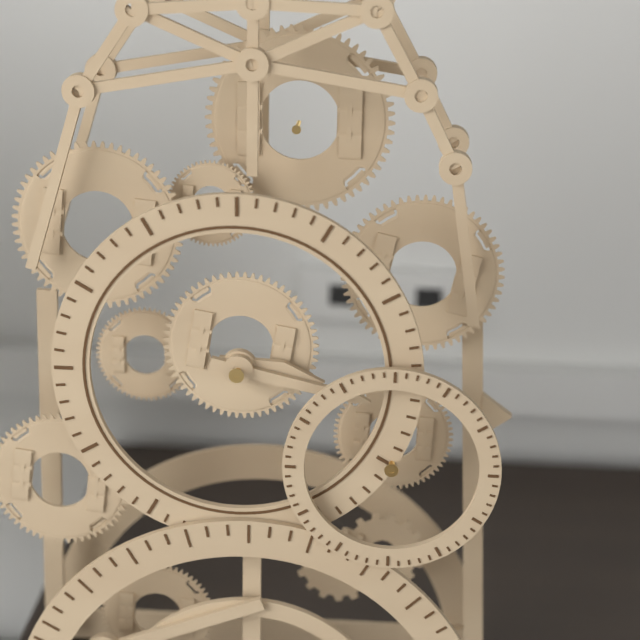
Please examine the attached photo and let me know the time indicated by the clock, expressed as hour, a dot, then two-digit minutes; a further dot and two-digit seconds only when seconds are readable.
3.17
